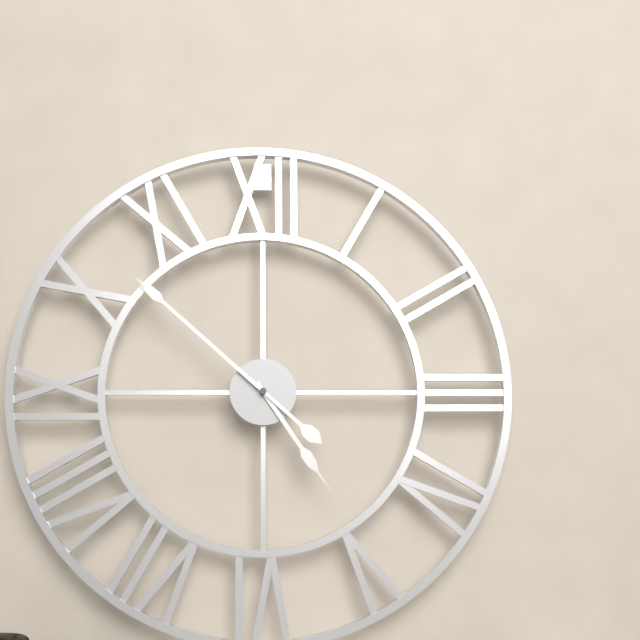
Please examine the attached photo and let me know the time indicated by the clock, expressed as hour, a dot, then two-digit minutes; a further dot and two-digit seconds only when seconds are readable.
4.52
